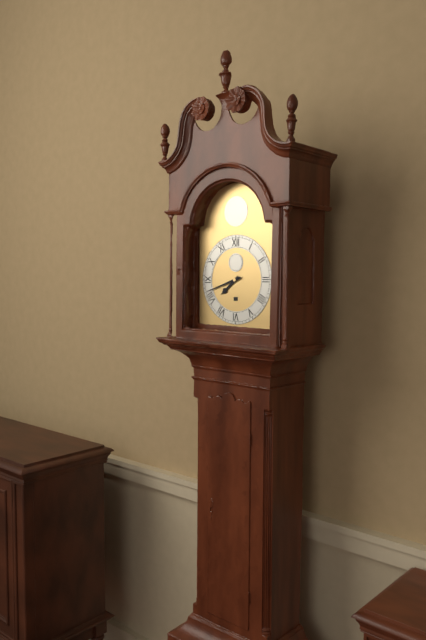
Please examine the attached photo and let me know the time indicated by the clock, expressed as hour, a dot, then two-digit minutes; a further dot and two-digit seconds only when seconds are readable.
7.42
